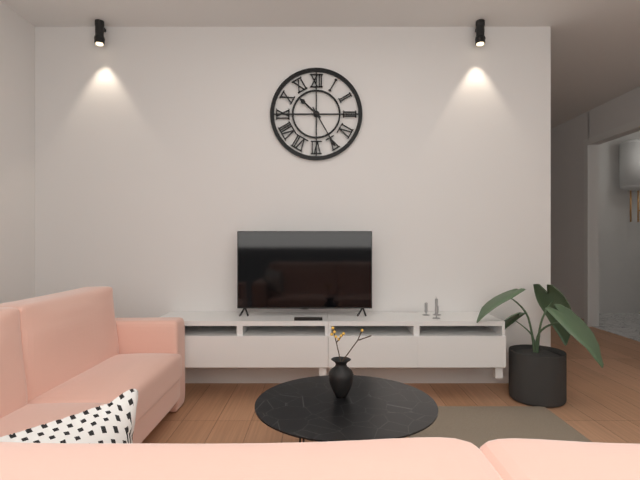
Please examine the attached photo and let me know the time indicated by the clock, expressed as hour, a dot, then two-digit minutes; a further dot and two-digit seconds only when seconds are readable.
10.25
